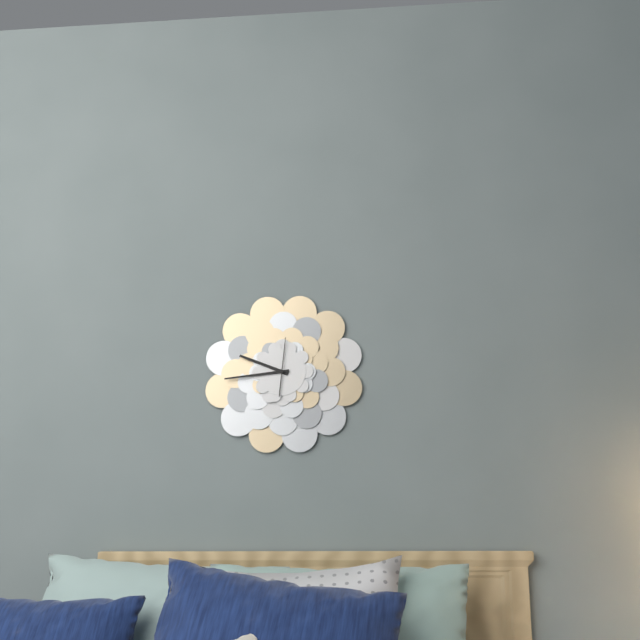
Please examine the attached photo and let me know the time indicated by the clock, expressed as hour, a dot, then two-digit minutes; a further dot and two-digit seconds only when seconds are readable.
9.44
